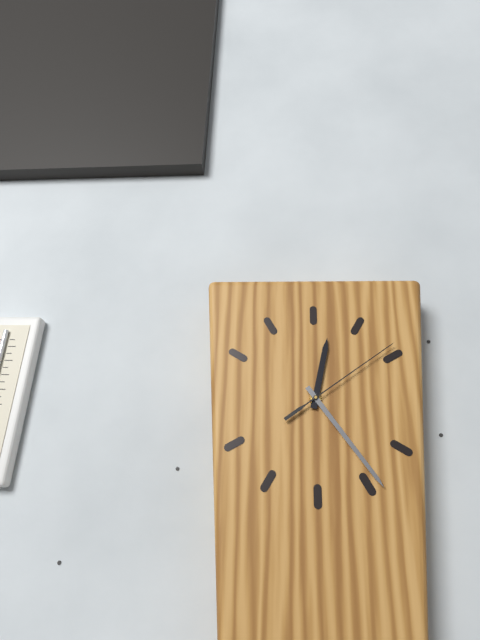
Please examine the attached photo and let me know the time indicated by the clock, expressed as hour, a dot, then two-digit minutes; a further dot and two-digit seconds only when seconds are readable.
12.24.09
